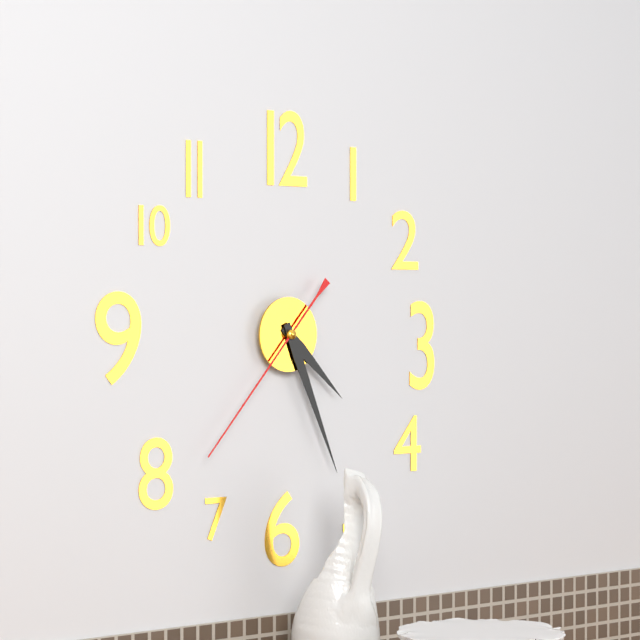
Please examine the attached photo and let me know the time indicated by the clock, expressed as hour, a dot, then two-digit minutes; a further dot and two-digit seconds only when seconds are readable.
4.26.37
